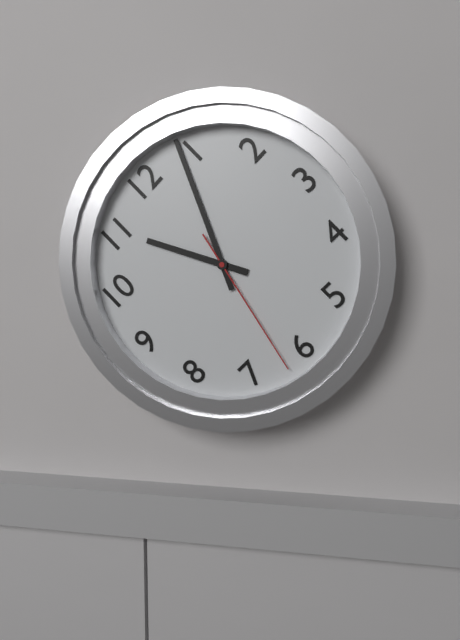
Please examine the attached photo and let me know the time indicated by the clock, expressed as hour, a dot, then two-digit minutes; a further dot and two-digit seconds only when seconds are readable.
11.04.32
